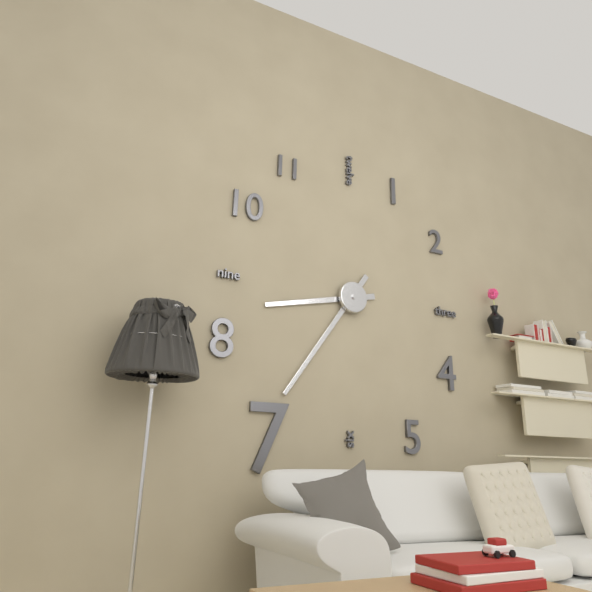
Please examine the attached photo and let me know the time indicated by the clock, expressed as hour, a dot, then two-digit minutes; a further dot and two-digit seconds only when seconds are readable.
8.36
